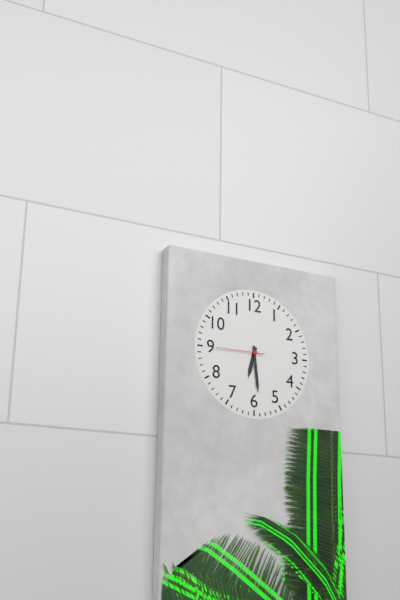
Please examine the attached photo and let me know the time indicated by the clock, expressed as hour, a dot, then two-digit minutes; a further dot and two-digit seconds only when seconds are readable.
6.29
